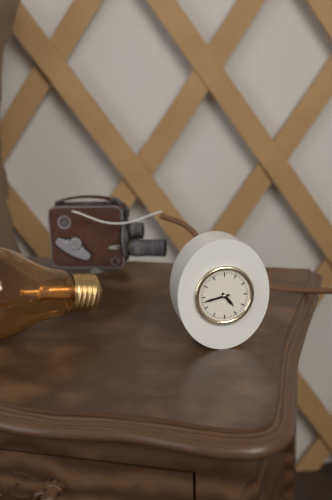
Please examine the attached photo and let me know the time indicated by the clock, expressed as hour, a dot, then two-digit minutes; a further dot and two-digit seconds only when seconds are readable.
4.43
